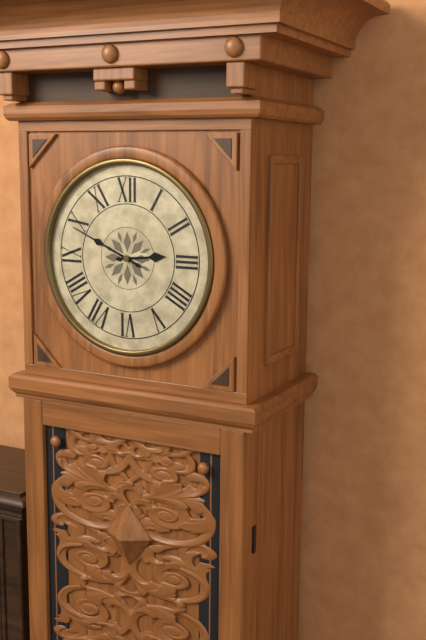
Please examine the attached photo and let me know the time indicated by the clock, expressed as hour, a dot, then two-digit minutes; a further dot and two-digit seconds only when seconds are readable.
2.49
